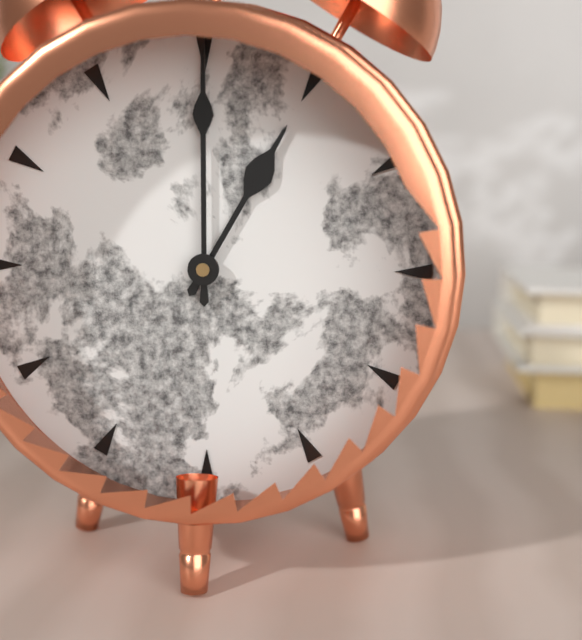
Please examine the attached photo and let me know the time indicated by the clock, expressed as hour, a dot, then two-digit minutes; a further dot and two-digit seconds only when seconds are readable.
1.00
